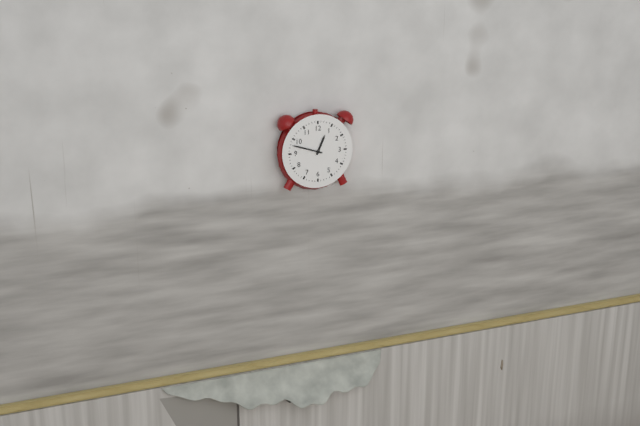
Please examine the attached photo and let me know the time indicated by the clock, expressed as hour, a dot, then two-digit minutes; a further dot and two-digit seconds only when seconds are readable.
12.48
